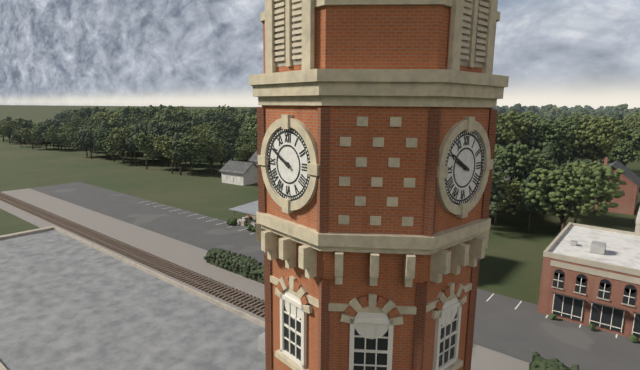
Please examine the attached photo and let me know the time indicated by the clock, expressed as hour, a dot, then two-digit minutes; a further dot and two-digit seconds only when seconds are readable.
9.50
